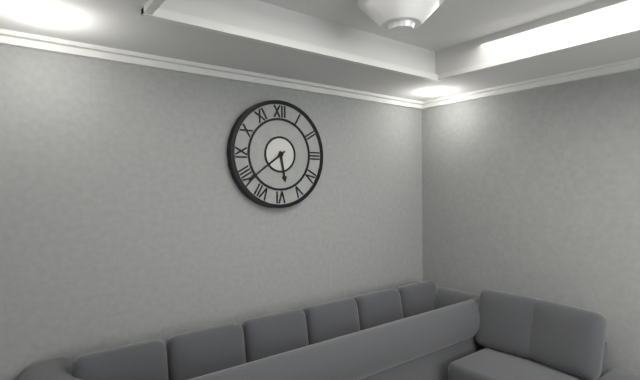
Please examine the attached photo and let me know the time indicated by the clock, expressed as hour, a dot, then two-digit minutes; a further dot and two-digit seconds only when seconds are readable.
5.39
